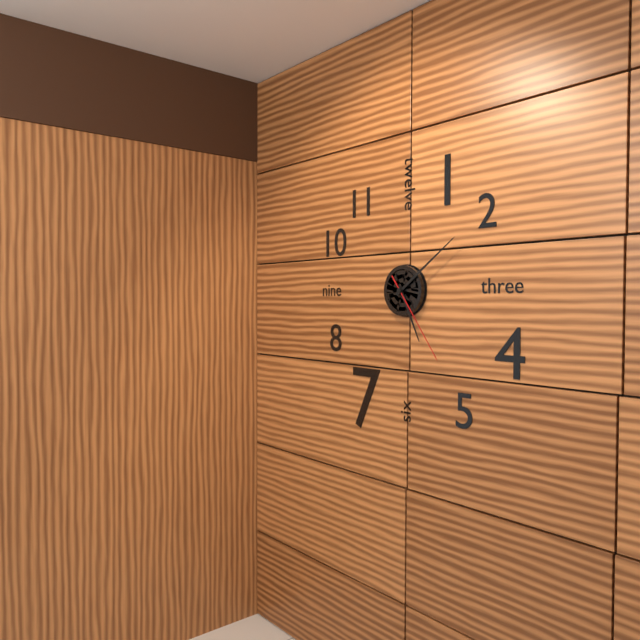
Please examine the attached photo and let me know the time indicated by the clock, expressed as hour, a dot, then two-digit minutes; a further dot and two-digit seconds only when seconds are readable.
5.09.24
